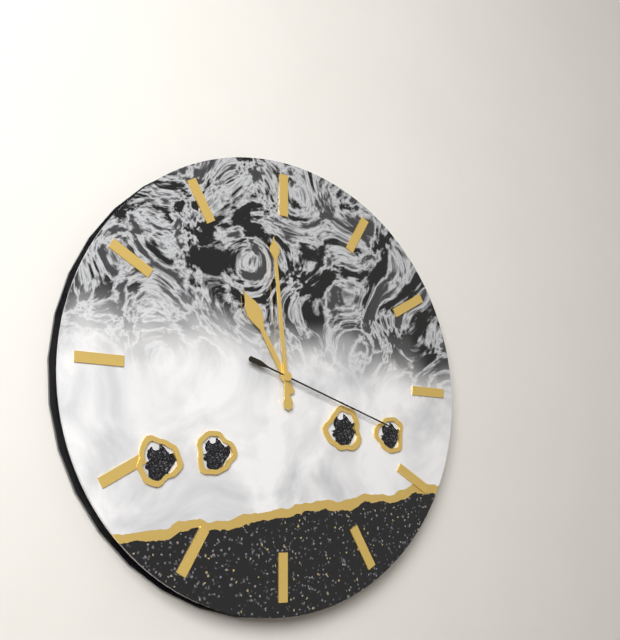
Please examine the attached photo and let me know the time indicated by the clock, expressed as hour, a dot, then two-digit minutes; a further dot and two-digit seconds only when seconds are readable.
10.59.18
